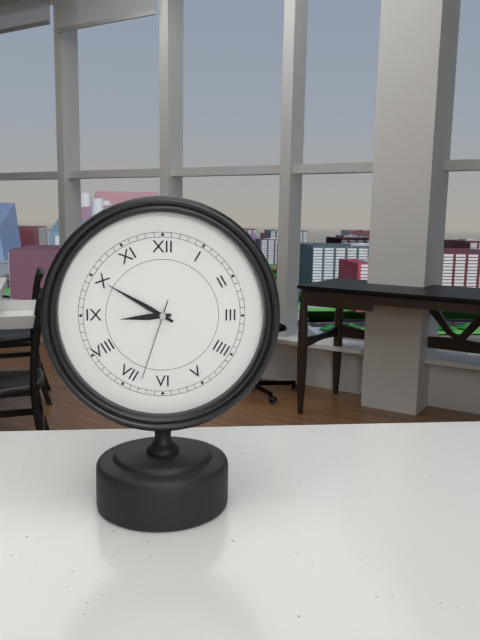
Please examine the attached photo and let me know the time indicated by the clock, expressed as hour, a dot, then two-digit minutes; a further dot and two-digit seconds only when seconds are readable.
8.50.33
